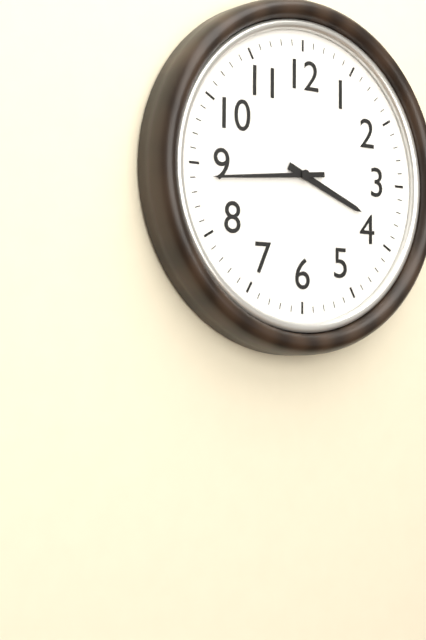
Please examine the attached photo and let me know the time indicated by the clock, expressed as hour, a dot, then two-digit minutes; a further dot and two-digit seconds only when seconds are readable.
3.44
